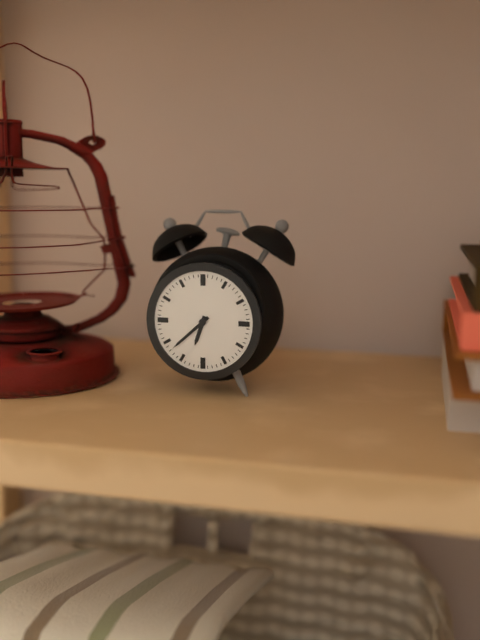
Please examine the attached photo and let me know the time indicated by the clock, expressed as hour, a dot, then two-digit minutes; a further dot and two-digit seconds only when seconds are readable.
6.38
